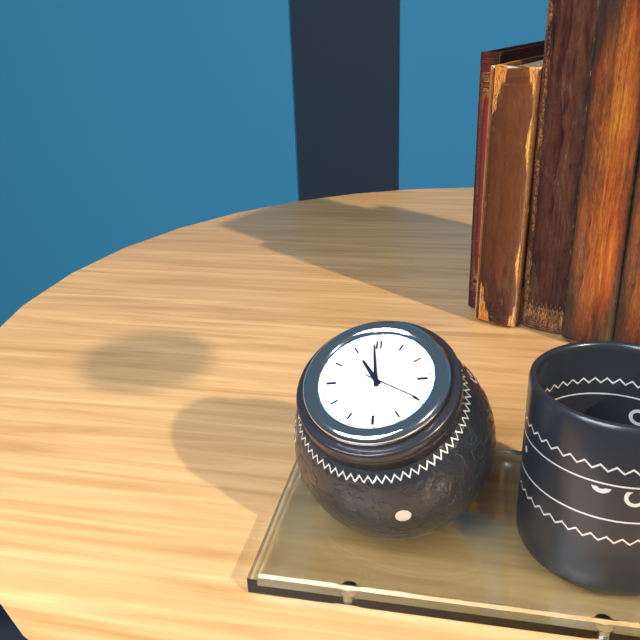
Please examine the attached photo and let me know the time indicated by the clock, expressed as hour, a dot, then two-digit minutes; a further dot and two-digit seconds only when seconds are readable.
10.59.20
